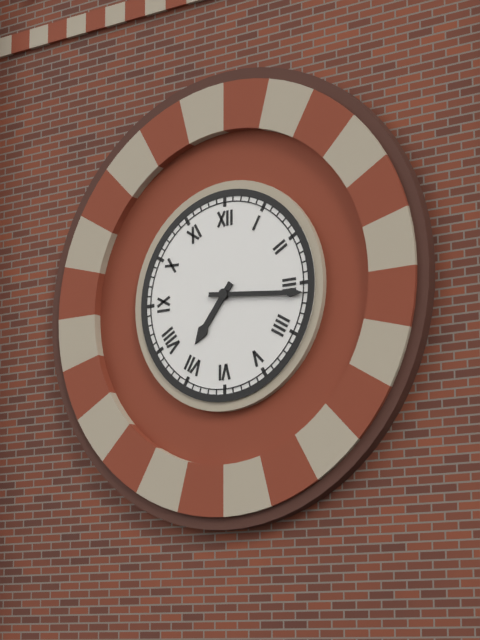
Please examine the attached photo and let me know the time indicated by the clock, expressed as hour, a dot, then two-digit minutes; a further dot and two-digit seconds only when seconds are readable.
7.16
